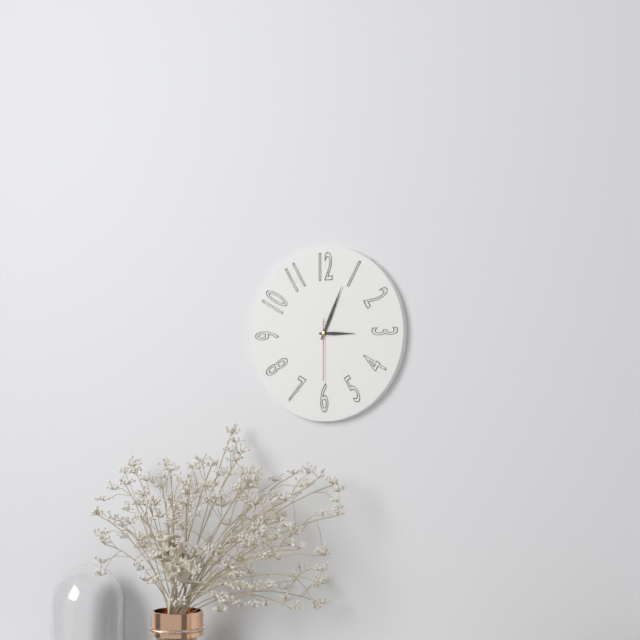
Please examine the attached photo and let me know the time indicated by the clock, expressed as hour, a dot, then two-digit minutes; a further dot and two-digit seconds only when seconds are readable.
3.04.30
